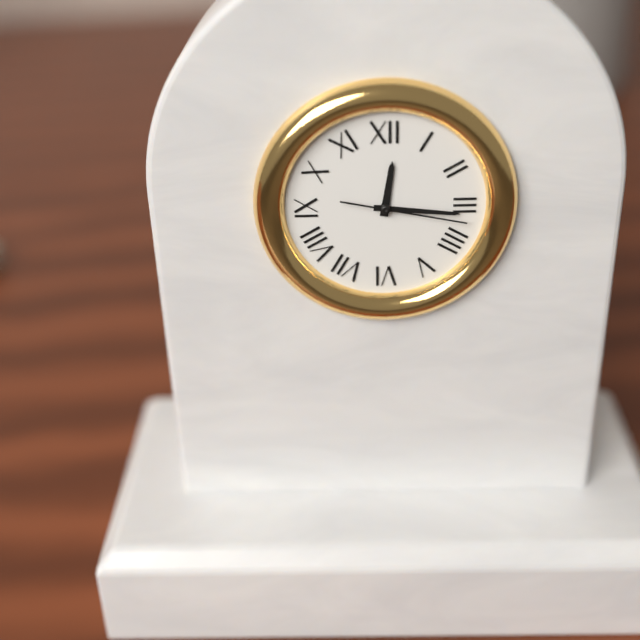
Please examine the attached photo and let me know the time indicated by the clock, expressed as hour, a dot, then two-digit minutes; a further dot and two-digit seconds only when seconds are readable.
12.16.17
